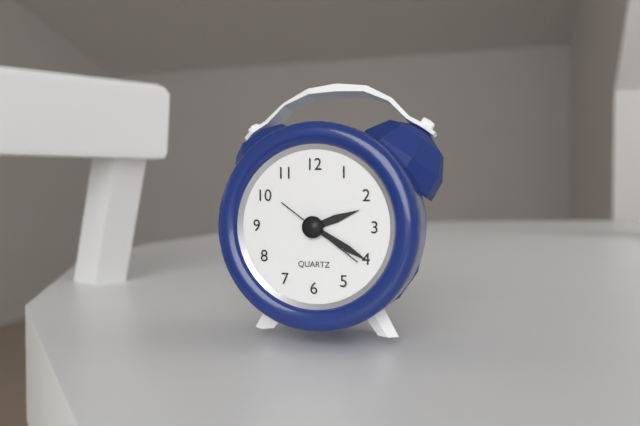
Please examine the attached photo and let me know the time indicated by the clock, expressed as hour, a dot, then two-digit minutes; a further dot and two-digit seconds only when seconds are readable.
2.20.21
